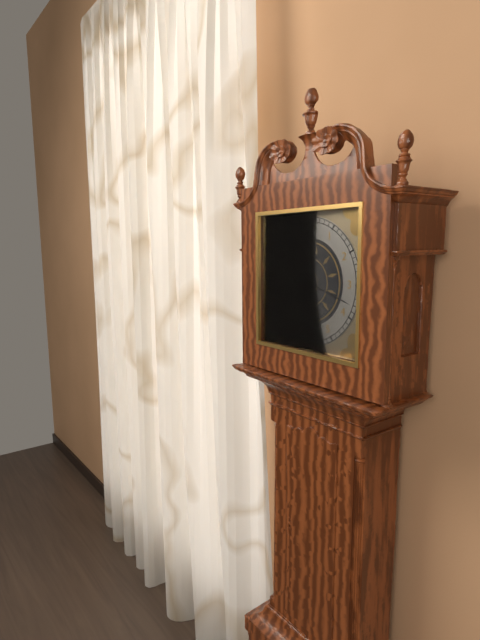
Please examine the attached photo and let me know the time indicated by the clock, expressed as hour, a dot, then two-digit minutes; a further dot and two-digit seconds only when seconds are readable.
12.18
